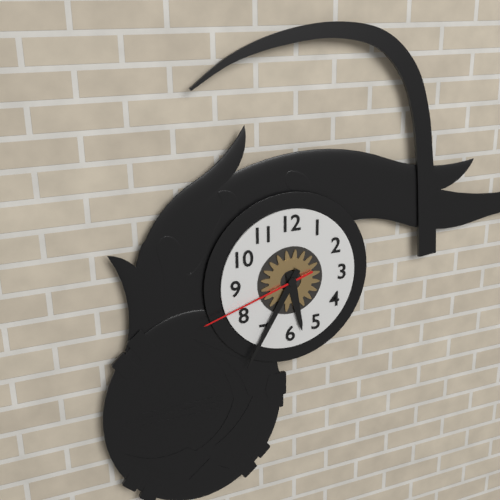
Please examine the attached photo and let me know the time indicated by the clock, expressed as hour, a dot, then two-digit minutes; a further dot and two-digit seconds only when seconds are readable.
5.35.42
